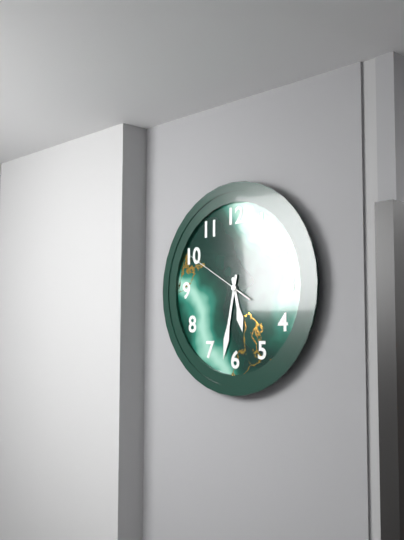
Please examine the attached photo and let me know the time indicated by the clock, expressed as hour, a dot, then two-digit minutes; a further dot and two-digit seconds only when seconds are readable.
5.32.50
